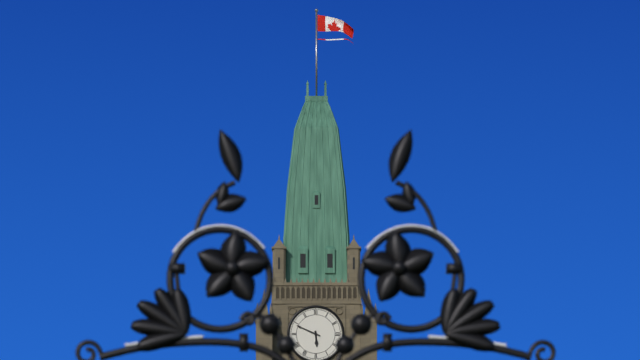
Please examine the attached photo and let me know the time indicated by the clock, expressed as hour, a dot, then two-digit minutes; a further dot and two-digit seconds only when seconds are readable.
5.49
